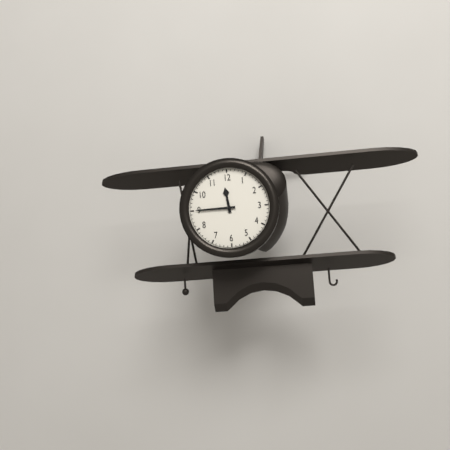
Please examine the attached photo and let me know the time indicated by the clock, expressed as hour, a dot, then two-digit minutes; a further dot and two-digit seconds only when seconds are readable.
11.45
